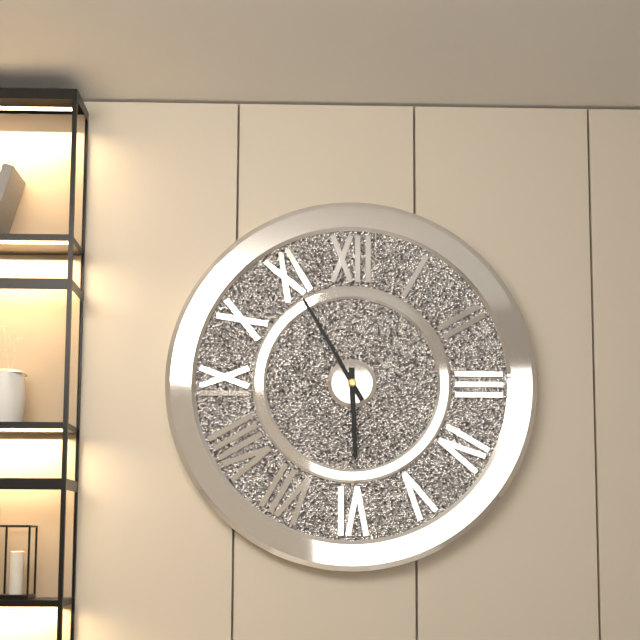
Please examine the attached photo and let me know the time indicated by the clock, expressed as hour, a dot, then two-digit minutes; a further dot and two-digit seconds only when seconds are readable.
5.55
